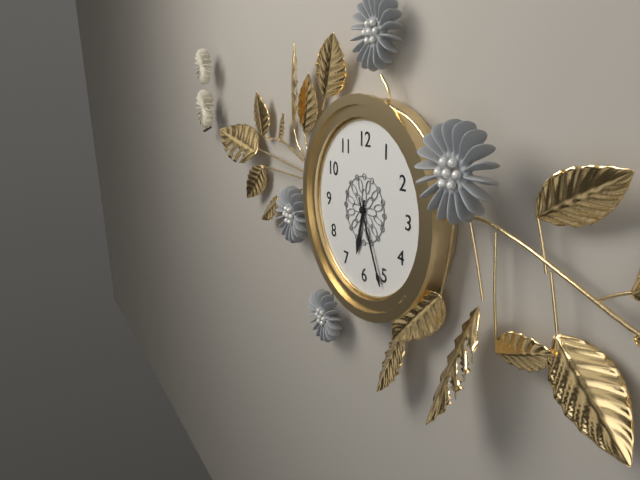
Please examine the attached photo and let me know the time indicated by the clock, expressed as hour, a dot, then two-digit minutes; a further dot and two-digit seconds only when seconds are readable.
6.26
